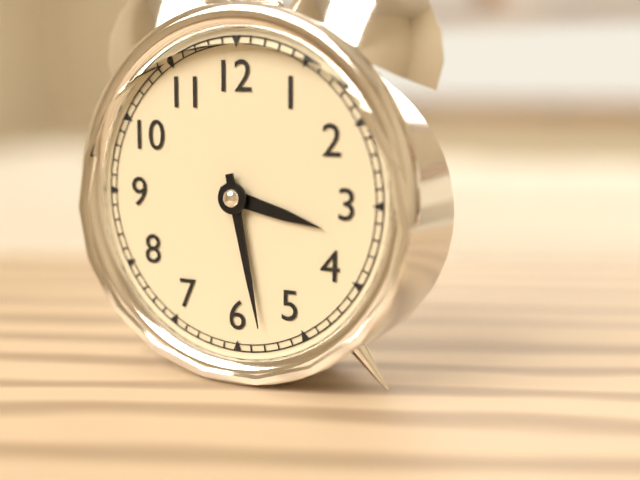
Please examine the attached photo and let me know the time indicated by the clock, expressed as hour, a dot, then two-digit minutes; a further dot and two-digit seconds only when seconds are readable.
3.28
